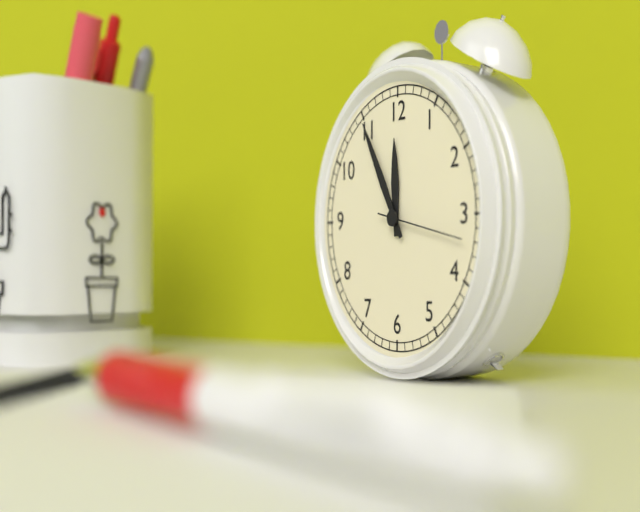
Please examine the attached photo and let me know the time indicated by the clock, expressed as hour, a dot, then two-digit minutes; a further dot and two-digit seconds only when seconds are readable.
11.55.17
